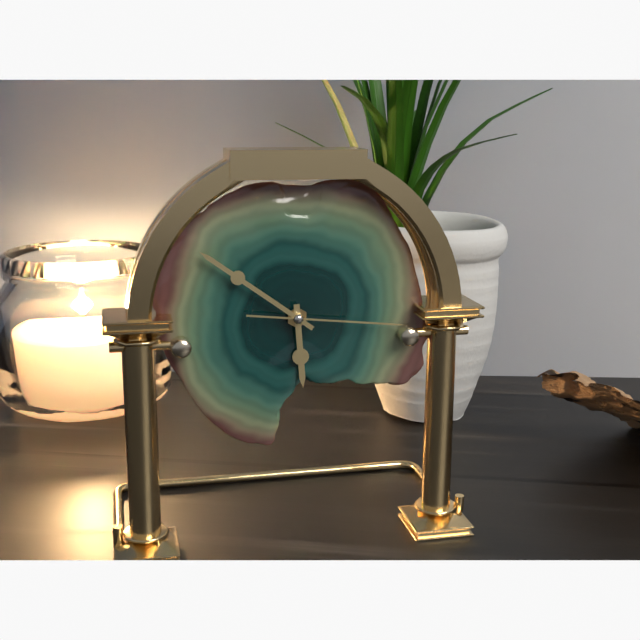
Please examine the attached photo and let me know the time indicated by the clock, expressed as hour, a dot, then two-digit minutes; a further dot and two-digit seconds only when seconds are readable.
5.51.16
